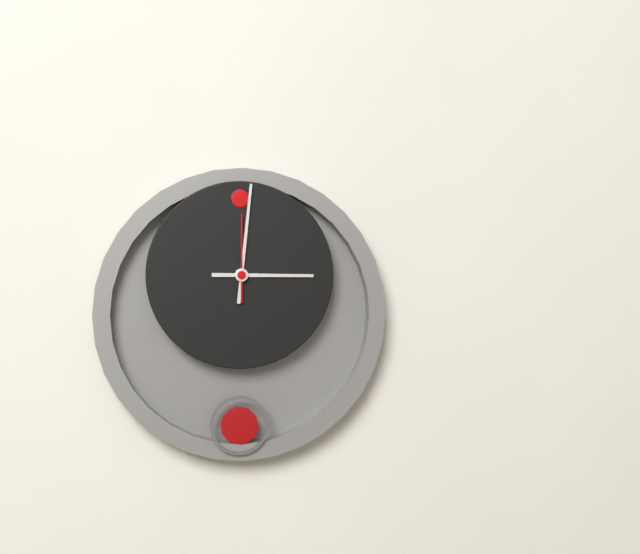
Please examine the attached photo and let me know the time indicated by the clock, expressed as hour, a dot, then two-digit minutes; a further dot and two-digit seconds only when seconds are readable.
3.01.00
